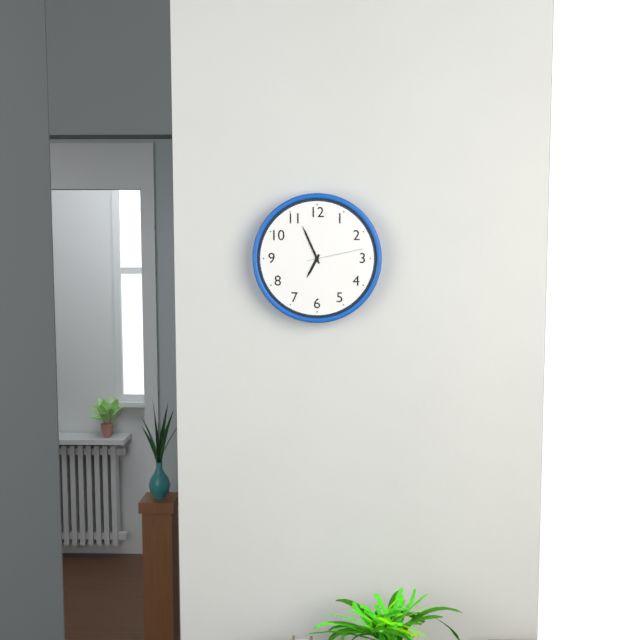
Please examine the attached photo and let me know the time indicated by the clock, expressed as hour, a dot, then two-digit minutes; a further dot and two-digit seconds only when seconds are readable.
6.56.13
